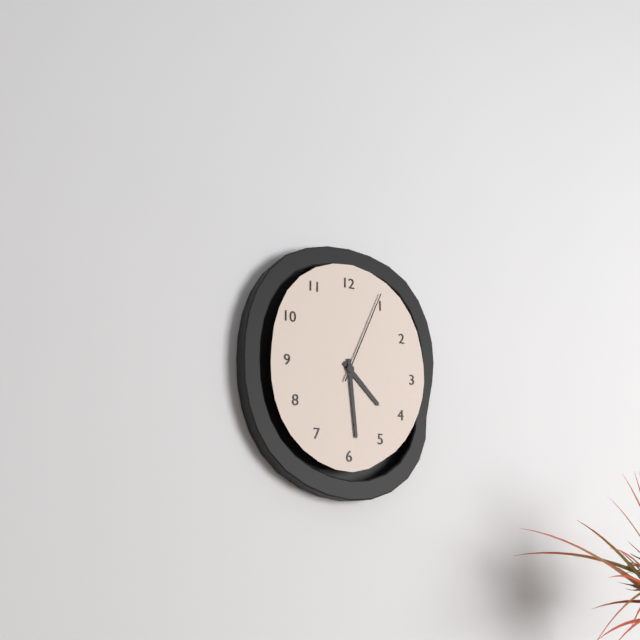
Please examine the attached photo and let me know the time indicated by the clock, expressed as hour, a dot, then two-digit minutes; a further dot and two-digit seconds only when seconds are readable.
4.29.04
